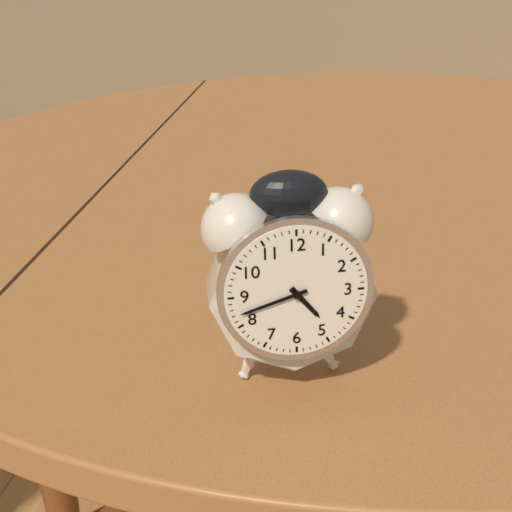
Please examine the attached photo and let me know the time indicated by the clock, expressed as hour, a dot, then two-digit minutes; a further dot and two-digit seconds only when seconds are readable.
4.42
